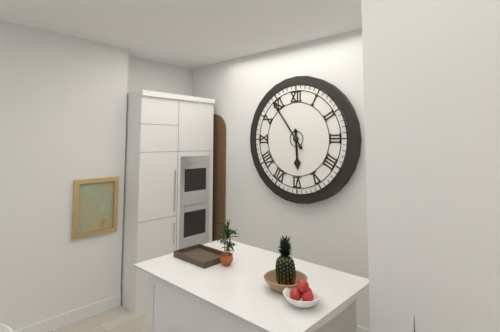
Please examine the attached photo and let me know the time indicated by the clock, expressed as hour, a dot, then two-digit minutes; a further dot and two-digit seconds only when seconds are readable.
5.54
